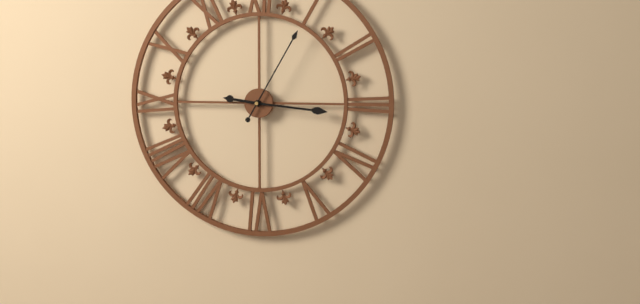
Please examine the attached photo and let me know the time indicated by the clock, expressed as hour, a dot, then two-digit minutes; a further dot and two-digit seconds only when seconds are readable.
9.16.05
